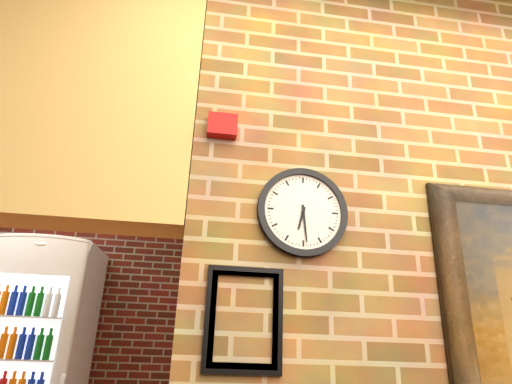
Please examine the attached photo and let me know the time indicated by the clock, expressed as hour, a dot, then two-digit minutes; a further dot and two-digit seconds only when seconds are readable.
6.29
